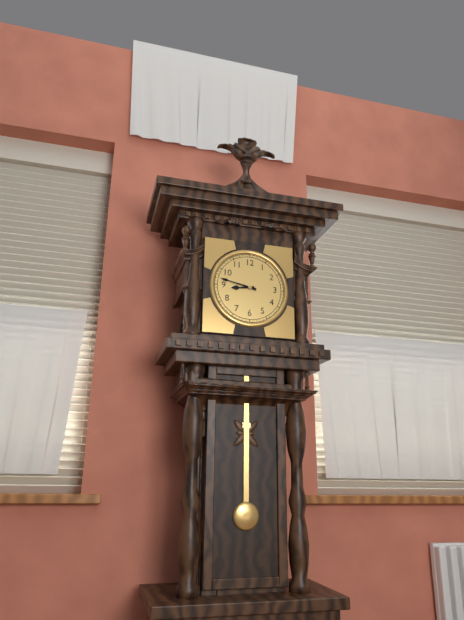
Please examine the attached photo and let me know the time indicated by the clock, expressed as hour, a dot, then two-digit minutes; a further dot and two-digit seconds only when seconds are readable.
8.47
